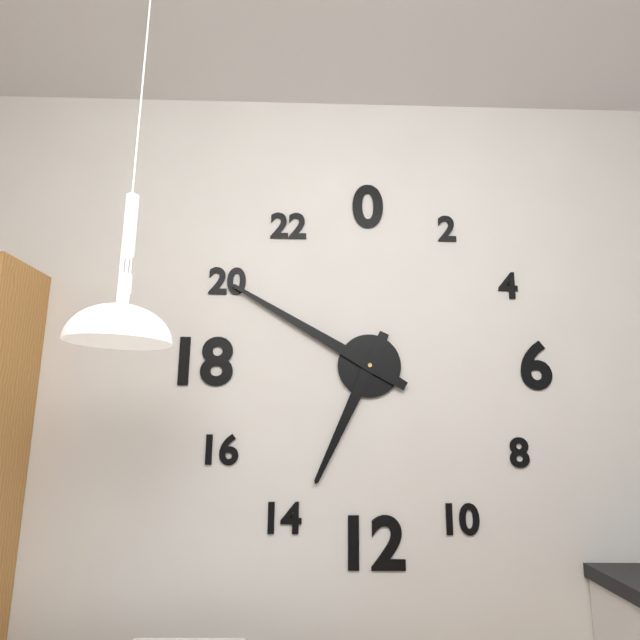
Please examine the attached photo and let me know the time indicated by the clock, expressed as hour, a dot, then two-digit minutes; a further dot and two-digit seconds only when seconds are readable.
6.50
